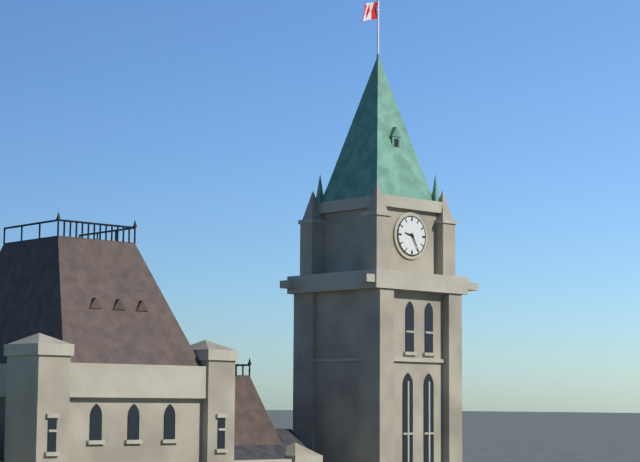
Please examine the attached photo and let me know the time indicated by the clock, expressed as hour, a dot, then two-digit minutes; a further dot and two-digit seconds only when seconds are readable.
9.25
